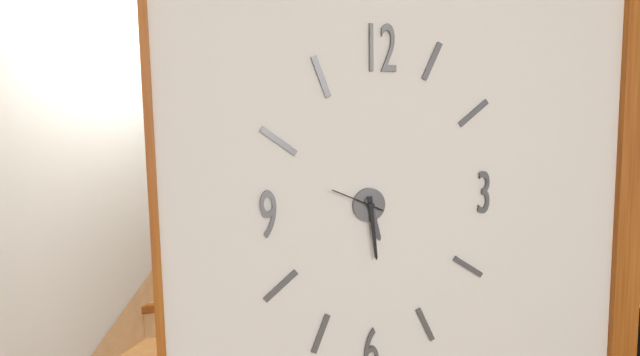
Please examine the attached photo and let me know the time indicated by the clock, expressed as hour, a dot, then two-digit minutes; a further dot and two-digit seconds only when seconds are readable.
5.29.49
